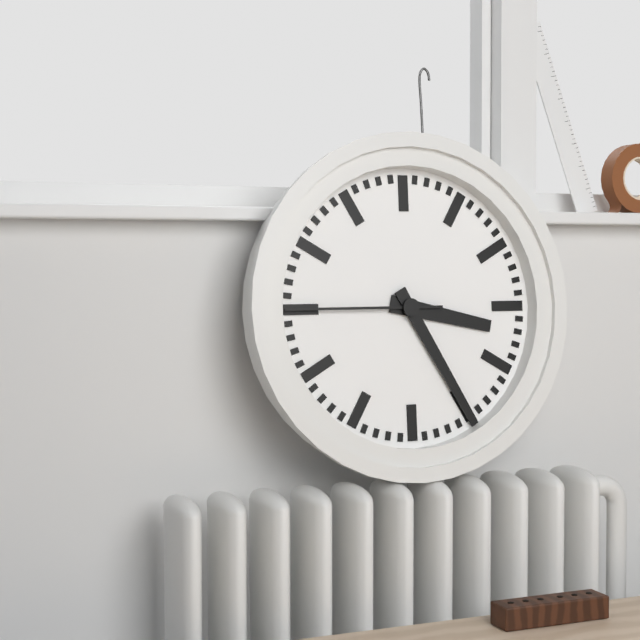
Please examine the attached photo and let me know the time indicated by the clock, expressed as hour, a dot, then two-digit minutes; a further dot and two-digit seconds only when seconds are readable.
3.25.45
